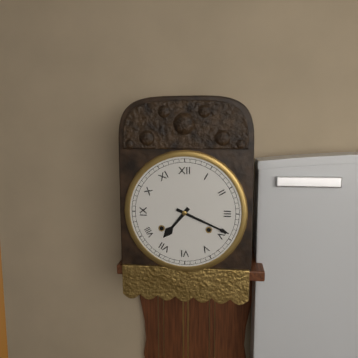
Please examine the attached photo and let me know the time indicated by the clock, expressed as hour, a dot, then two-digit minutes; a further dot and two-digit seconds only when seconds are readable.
7.19
